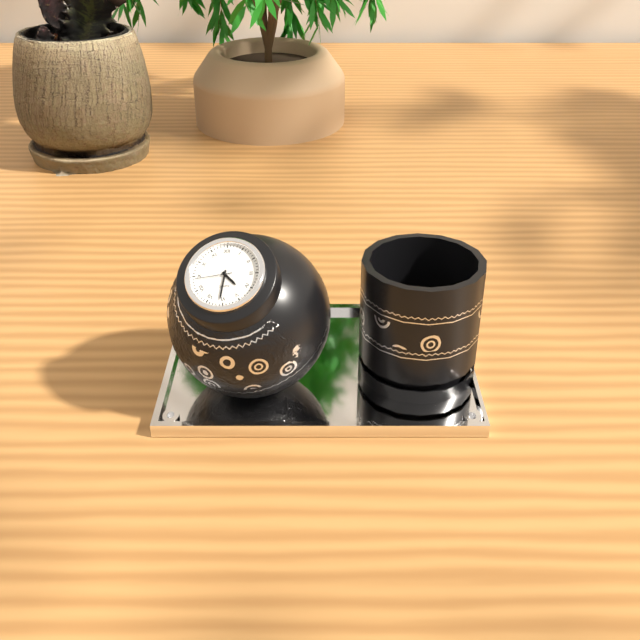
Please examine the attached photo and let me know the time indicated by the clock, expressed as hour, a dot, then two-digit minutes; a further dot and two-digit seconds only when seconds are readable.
4.31.44
